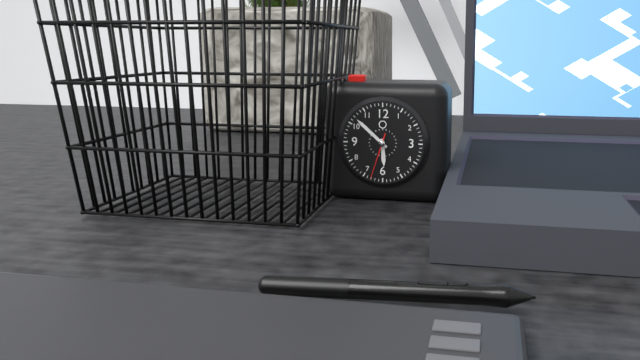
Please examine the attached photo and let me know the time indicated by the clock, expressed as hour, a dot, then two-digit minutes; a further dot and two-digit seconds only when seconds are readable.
5.52
